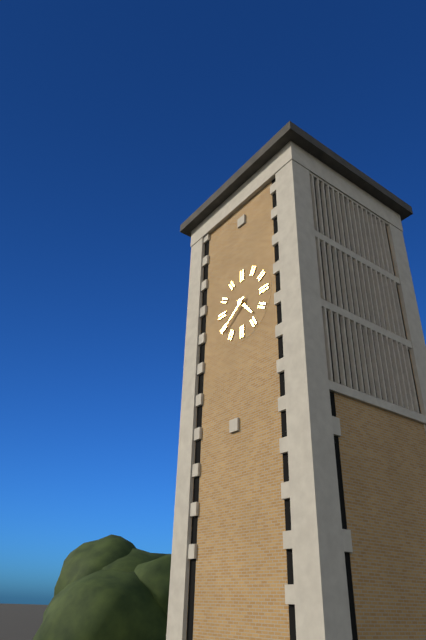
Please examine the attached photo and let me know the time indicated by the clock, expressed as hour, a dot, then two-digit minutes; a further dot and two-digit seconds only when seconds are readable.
4.39
